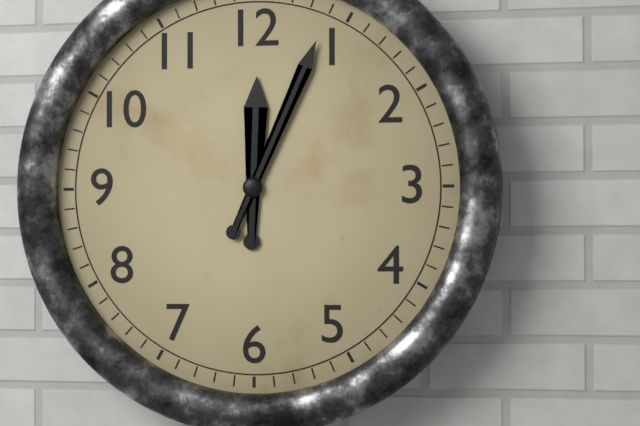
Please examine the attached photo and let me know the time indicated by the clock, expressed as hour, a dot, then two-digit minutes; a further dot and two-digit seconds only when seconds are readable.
12.04
